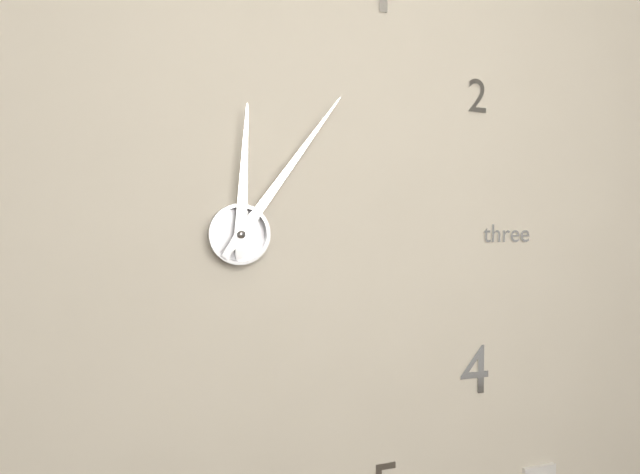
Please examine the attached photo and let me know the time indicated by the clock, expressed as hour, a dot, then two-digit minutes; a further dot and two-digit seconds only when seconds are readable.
12.06
